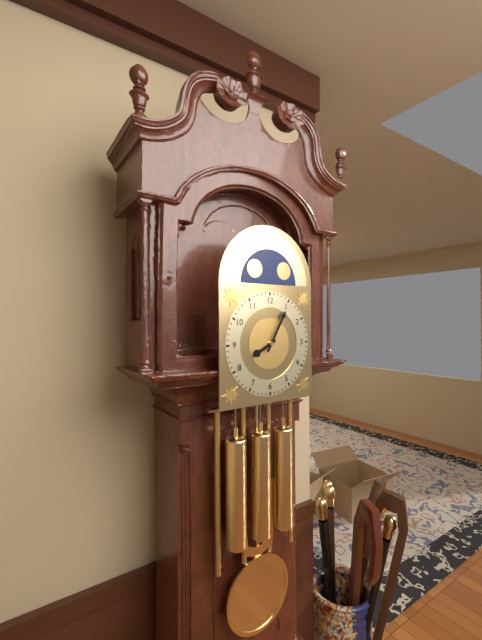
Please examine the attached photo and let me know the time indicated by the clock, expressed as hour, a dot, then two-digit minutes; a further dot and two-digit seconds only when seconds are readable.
8.05
